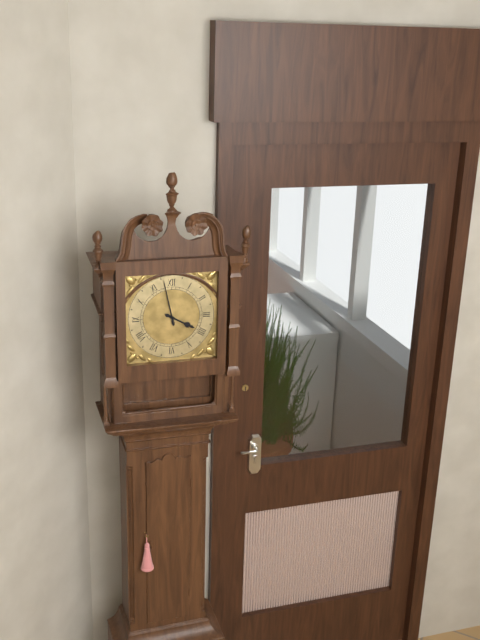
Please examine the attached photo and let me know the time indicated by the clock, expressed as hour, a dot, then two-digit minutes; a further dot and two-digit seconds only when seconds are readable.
3.58
